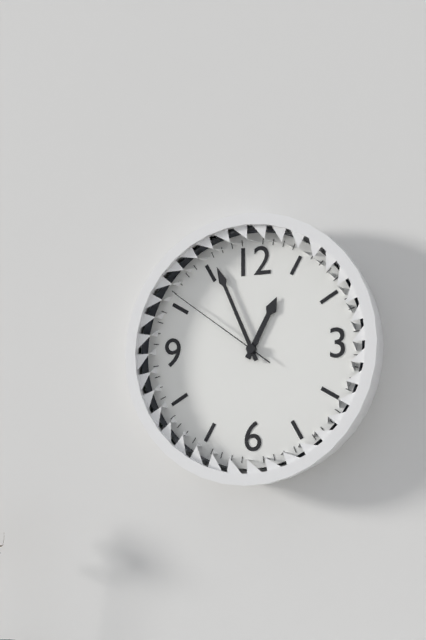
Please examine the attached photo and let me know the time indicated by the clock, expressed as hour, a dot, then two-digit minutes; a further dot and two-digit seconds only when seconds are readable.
12.56.51
